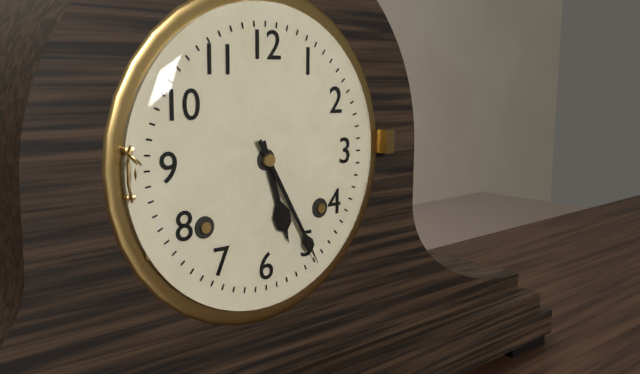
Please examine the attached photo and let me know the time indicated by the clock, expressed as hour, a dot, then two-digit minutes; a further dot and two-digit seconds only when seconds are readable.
5.25
